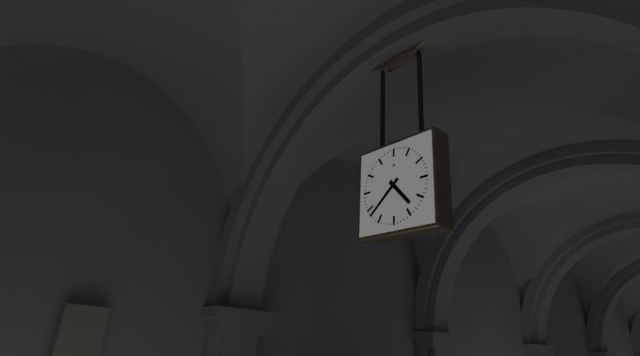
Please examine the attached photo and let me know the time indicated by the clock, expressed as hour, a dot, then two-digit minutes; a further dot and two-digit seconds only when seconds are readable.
4.38
